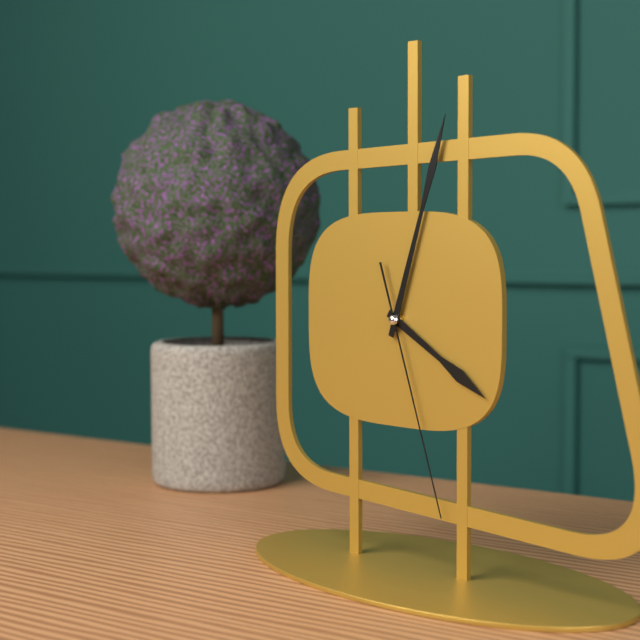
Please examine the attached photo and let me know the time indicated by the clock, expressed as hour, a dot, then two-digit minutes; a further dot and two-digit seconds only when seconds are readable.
4.03.27
